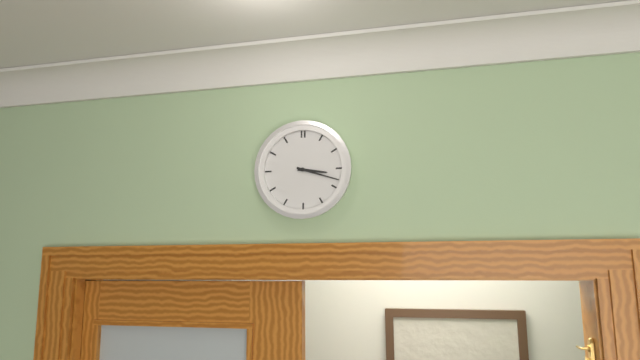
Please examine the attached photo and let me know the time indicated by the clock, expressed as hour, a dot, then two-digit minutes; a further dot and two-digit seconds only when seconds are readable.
3.18
